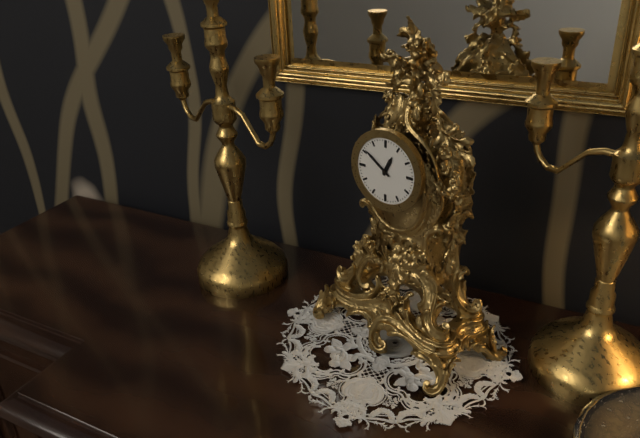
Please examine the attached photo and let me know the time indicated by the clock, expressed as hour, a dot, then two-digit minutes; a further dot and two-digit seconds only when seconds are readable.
12.51
